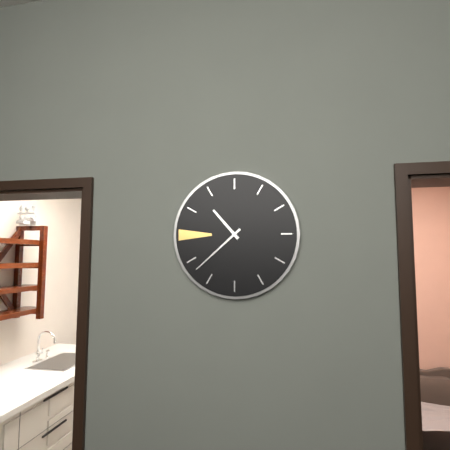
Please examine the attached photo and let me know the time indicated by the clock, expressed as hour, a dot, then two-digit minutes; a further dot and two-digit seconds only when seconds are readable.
10.38
